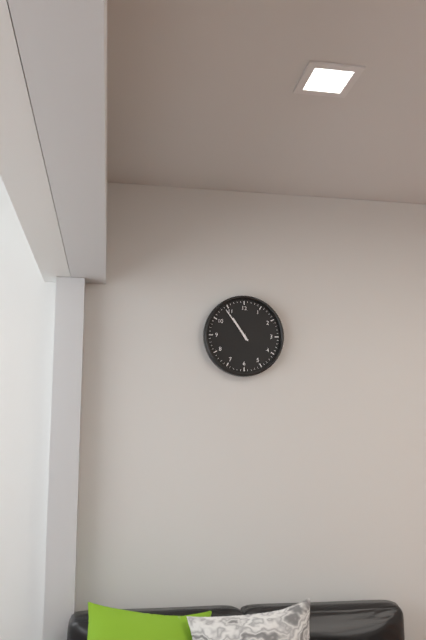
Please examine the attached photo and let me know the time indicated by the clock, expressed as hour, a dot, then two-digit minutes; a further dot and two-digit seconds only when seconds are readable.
10.54
